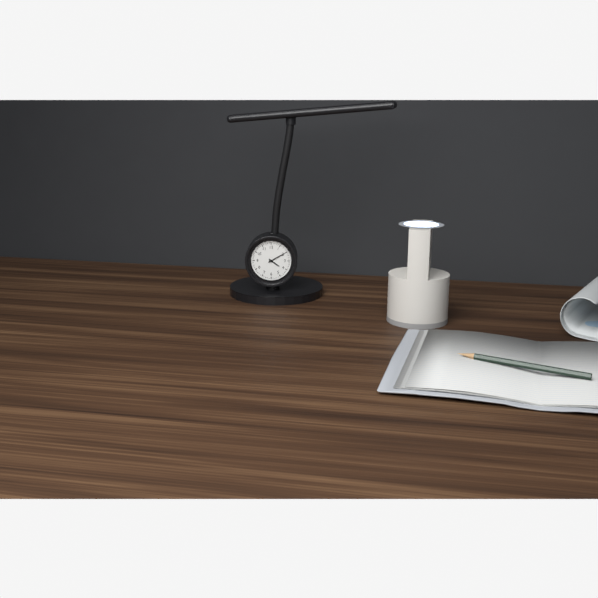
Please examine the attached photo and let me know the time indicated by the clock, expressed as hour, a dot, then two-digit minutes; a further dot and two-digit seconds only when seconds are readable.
4.10
